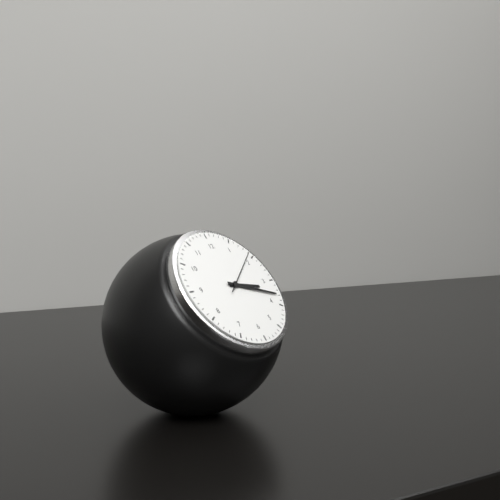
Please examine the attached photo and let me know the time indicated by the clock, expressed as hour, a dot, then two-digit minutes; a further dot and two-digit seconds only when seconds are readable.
3.18
